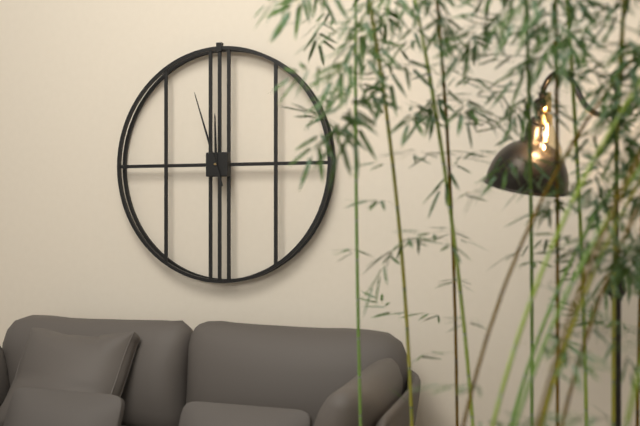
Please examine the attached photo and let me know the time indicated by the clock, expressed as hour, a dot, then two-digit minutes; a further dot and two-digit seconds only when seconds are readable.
11.57
